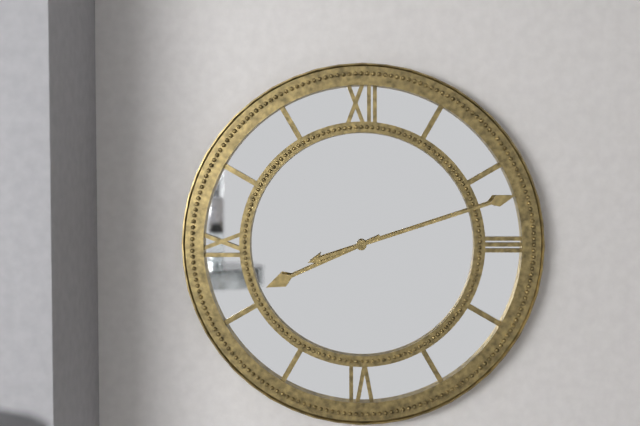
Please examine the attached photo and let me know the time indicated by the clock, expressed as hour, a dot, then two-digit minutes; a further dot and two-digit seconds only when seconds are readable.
8.12
